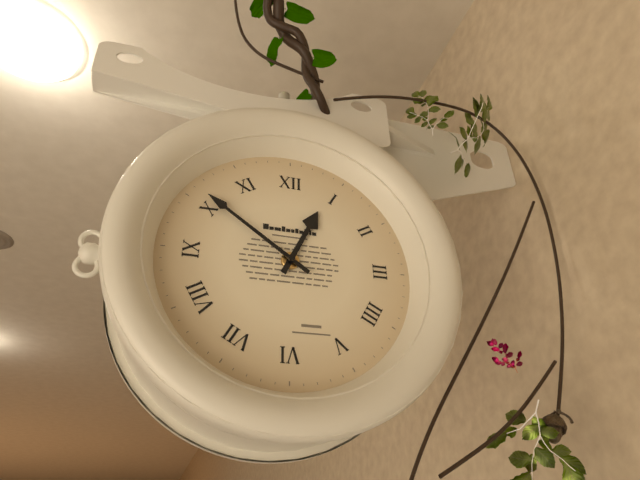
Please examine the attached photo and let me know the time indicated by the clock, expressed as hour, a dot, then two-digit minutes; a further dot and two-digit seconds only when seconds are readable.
12.51
